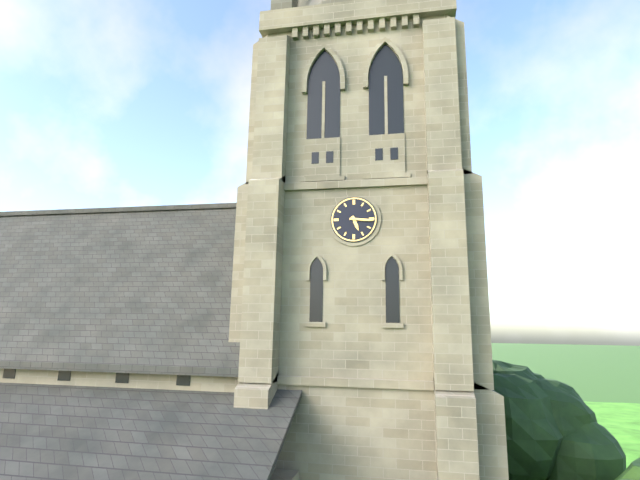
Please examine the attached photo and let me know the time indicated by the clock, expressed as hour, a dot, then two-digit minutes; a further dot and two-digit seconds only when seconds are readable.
5.16
